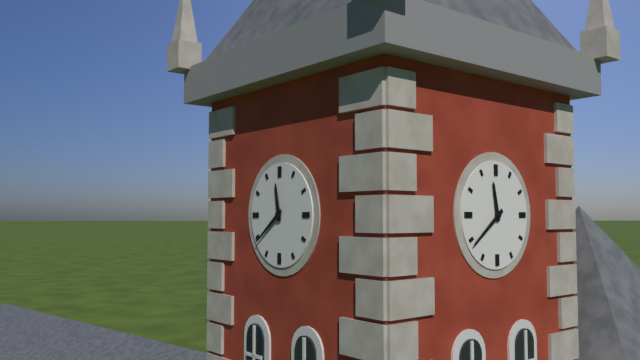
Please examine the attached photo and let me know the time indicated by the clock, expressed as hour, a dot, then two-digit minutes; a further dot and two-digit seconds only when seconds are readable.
11.39
